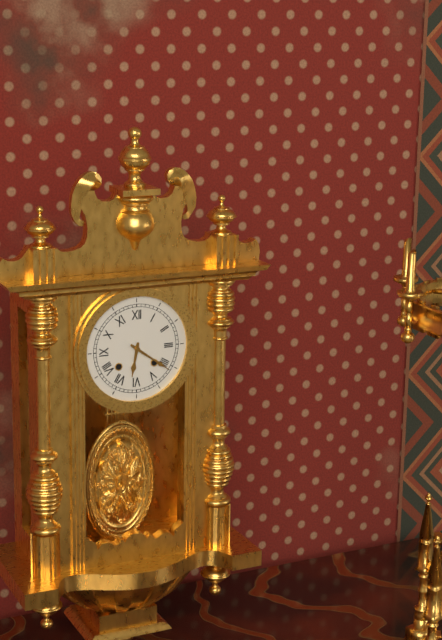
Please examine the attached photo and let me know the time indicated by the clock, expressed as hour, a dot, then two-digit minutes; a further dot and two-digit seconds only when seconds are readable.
6.21
